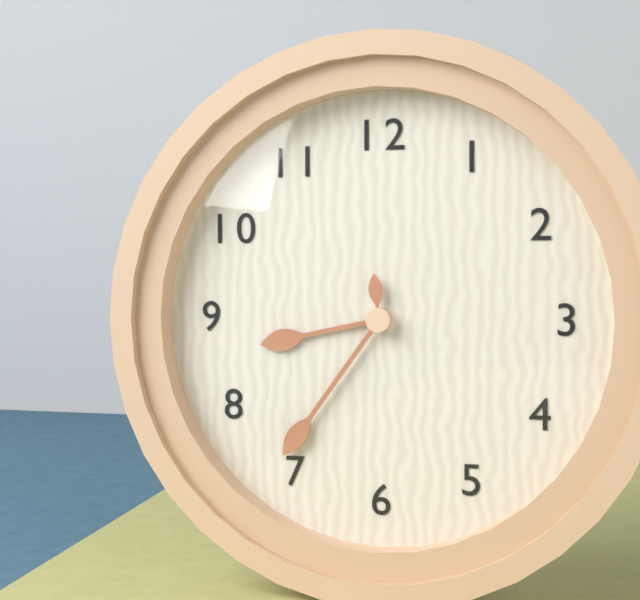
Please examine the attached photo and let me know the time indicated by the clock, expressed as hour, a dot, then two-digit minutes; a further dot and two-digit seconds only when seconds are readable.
8.36.59
